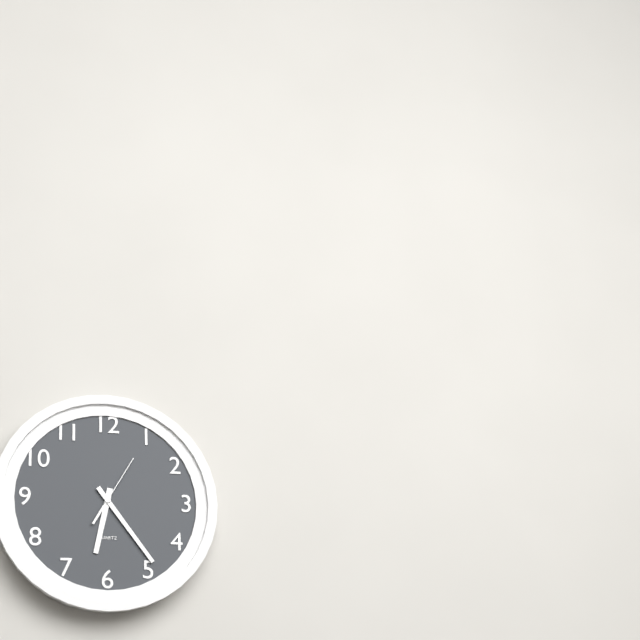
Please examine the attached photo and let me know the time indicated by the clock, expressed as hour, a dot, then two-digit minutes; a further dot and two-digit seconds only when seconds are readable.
6.24.05
